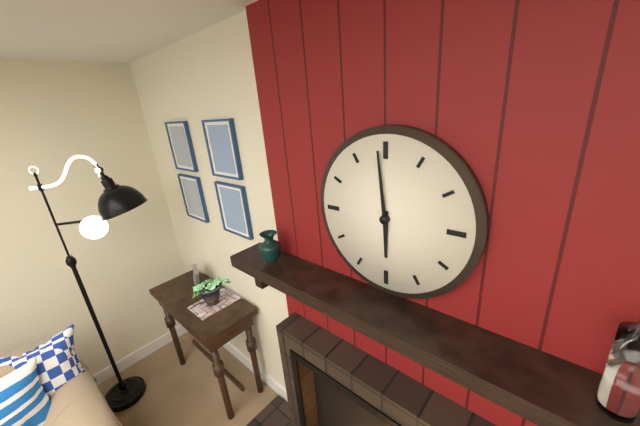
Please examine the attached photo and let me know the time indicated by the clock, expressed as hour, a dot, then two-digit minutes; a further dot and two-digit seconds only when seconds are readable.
5.59
